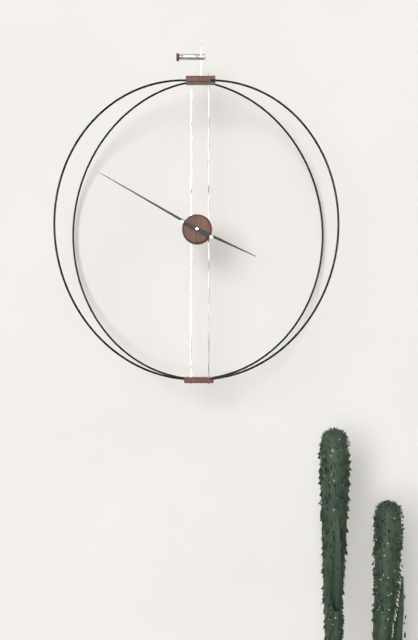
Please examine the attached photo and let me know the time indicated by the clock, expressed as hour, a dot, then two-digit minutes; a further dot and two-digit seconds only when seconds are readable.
3.50
